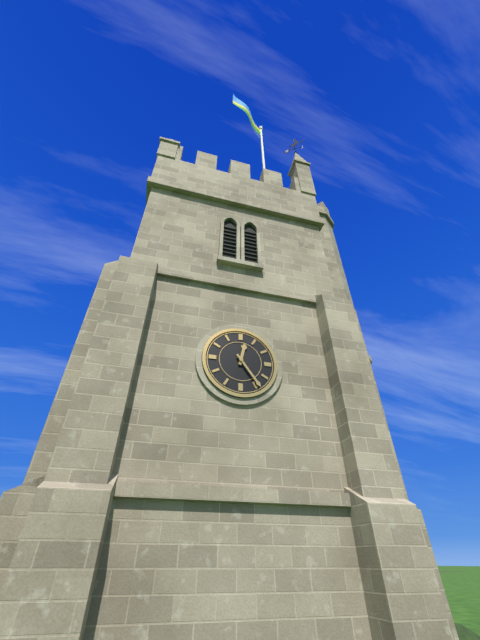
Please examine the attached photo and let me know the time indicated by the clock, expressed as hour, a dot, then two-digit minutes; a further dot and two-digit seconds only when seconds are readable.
12.24
